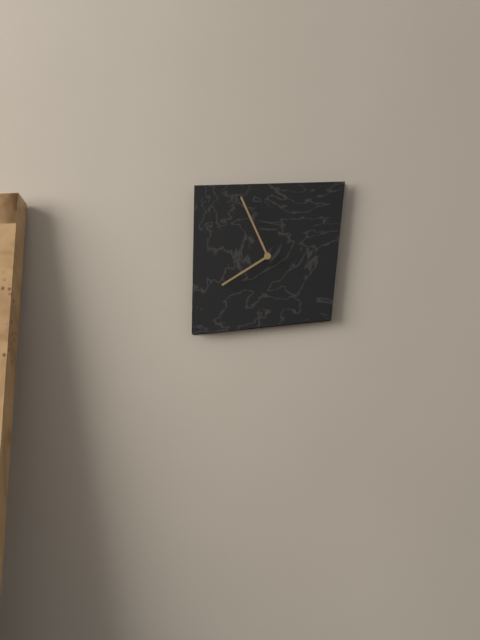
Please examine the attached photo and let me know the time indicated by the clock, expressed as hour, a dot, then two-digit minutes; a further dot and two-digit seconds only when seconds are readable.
7.56
